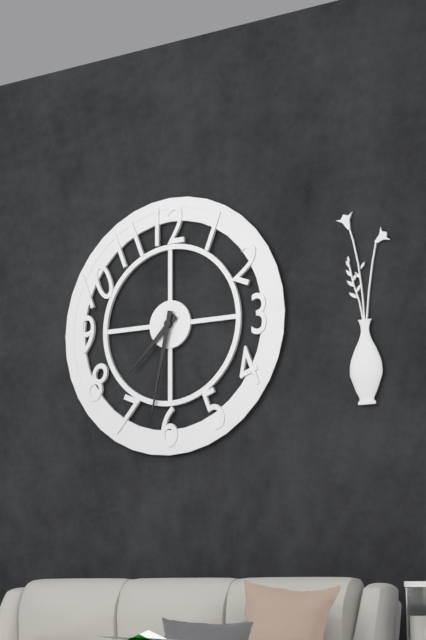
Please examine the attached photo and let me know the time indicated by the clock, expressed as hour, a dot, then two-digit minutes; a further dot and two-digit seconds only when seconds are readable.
7.32
